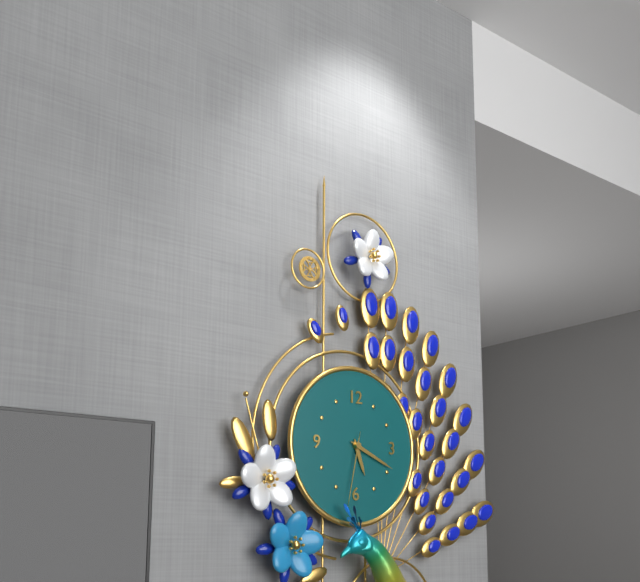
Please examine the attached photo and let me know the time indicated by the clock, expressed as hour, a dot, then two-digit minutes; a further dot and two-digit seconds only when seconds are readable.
5.19.32
